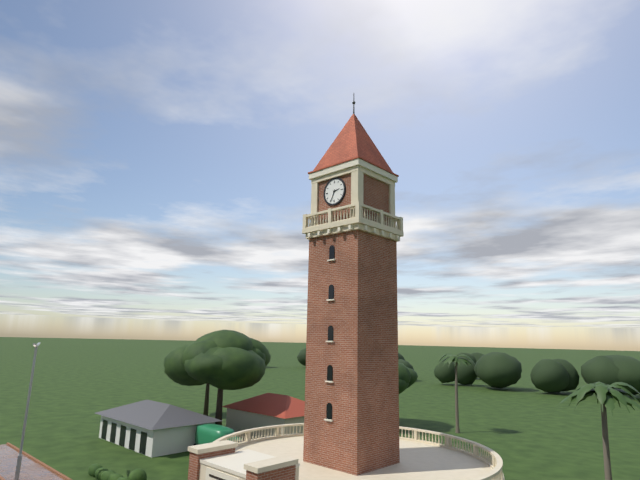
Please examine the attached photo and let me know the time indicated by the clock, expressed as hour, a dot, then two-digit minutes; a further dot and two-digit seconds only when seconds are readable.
2.34
